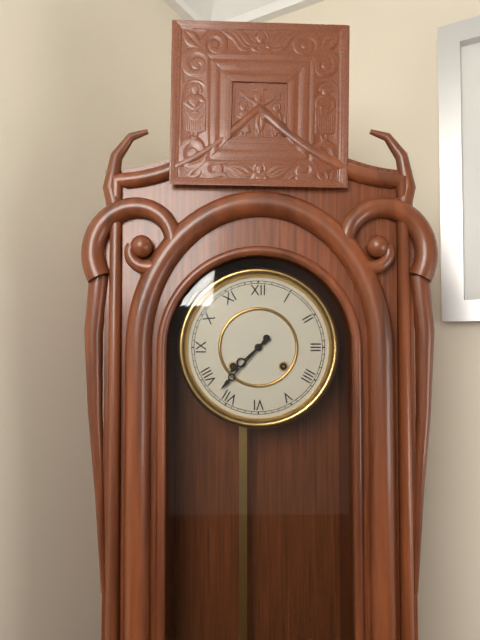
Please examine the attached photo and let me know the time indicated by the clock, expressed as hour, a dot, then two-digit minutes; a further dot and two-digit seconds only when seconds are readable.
7.37
